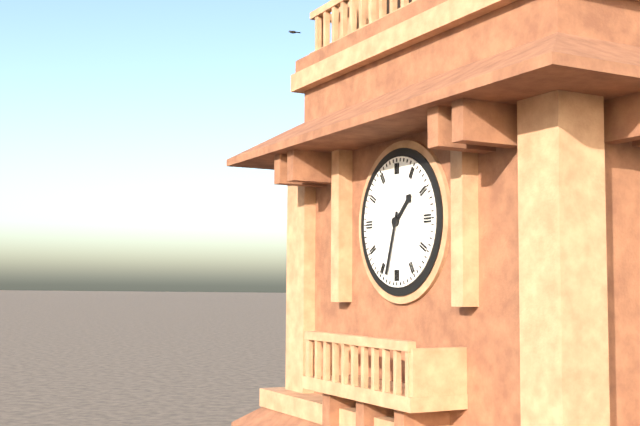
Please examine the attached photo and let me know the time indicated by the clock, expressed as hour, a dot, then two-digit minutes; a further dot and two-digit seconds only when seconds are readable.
1.33
